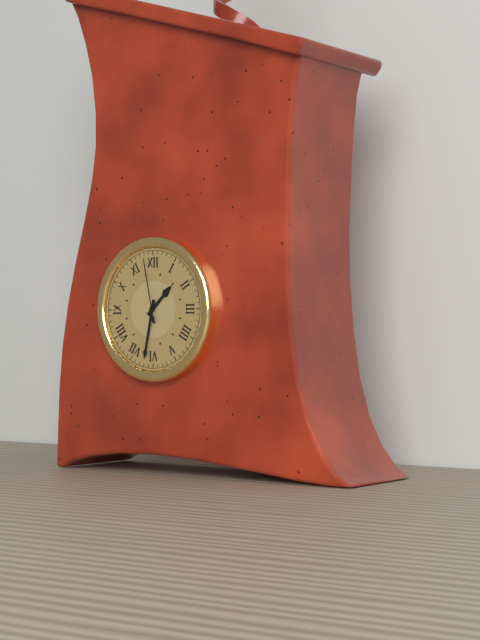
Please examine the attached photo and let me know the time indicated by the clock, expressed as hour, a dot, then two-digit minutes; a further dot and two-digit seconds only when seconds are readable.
1.32.58
